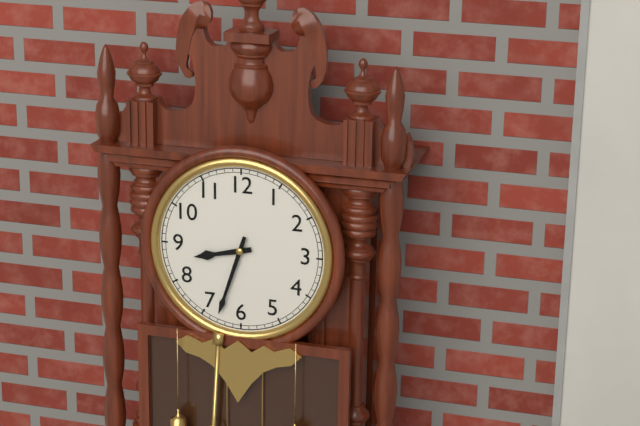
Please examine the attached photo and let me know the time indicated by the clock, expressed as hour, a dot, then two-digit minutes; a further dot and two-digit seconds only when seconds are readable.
8.33
